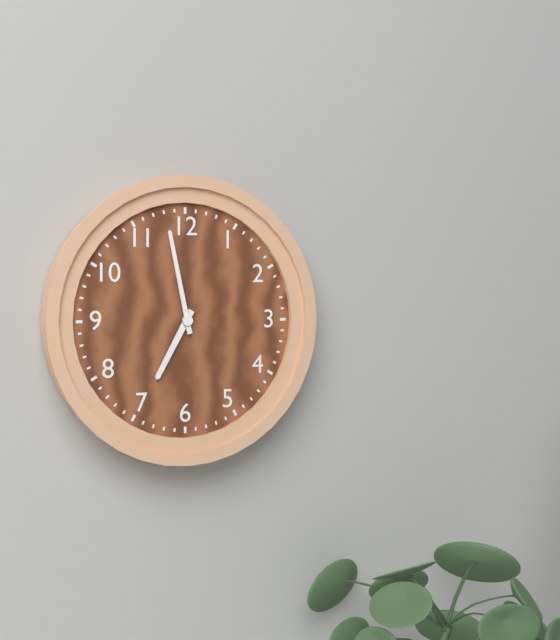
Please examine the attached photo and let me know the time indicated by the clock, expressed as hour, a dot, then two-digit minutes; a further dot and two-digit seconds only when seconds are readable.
6.58
